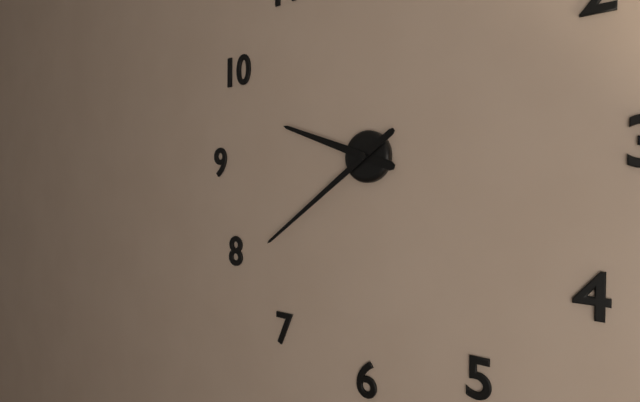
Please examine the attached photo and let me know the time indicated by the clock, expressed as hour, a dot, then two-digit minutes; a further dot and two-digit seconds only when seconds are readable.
9.39
